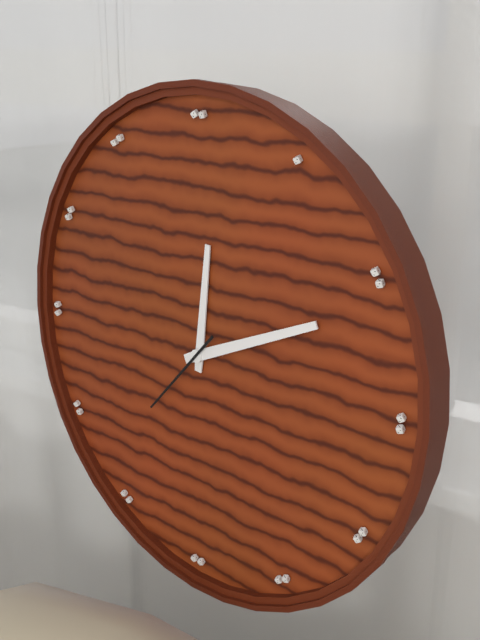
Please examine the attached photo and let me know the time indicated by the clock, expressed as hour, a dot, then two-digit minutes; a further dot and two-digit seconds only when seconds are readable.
12.11.37
